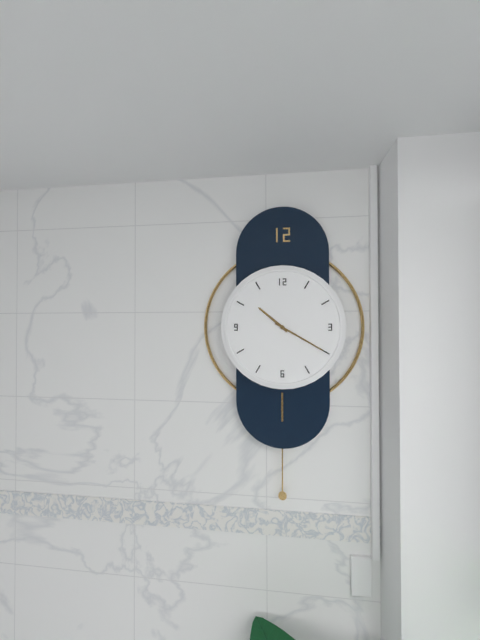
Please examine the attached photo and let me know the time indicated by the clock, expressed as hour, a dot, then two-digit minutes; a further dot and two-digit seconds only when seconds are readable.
10.20
